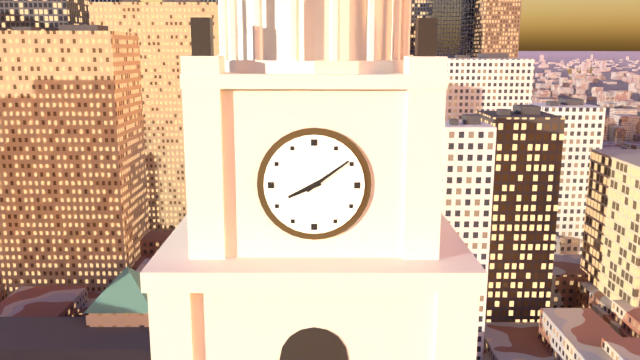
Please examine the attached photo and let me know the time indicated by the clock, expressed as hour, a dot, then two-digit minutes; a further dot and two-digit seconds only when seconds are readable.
8.09
